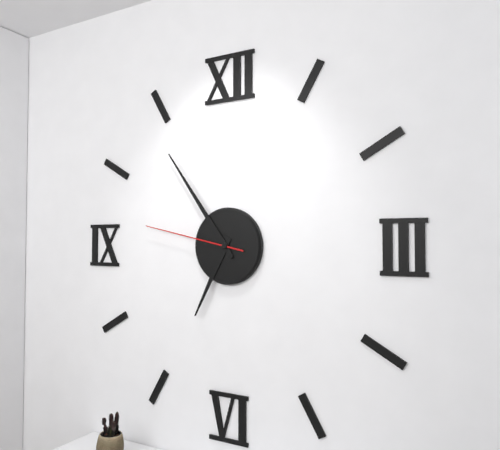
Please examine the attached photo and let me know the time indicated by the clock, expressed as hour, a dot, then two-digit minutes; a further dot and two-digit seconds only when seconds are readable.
6.54.47
